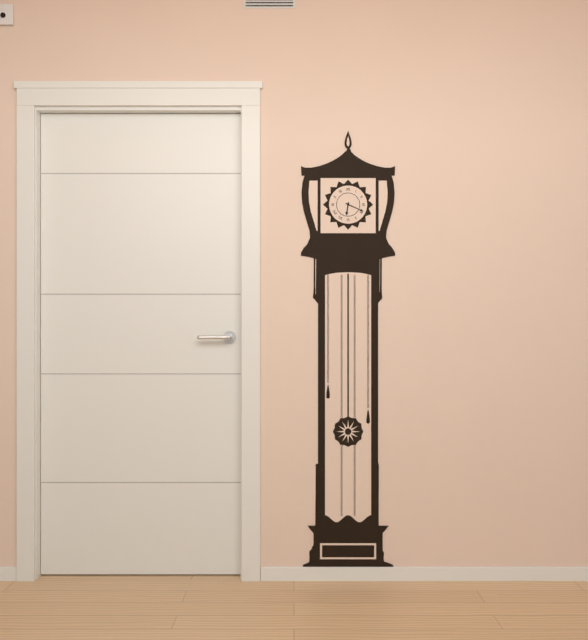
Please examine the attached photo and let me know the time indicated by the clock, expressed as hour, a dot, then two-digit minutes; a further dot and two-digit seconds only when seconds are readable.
6.19
